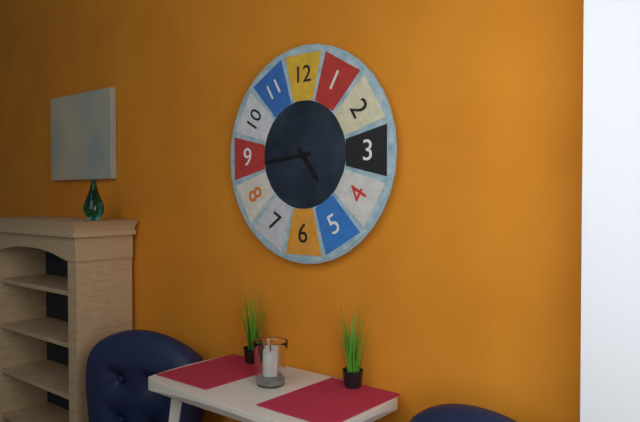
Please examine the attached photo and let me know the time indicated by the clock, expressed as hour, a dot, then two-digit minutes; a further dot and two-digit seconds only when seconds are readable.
4.44
